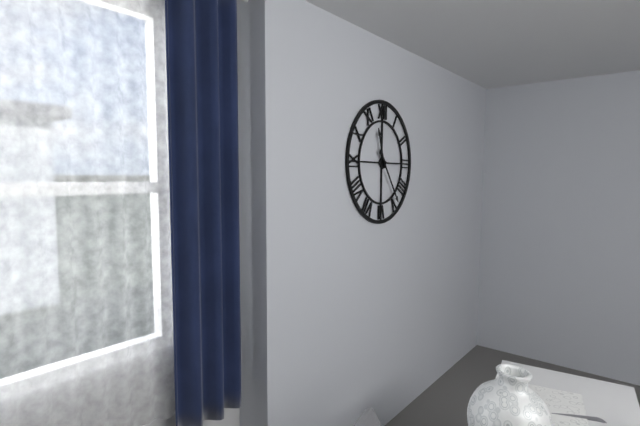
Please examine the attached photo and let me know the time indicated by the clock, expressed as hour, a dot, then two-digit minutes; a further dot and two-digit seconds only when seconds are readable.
11.24
